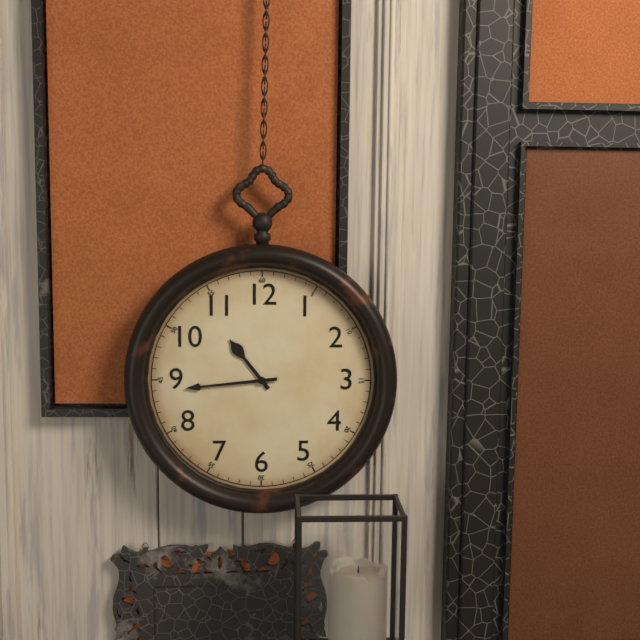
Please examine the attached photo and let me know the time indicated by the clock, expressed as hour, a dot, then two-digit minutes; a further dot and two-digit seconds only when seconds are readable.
10.44
